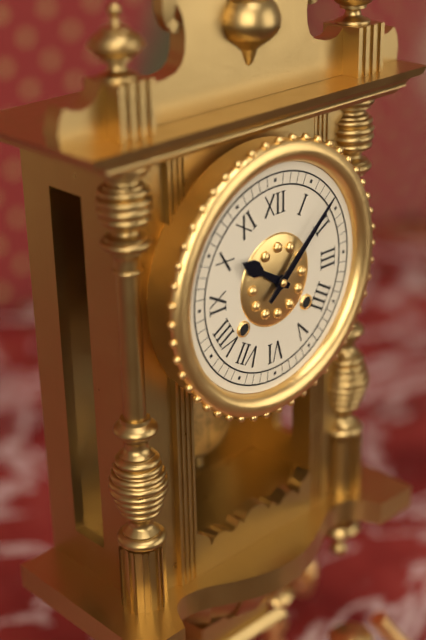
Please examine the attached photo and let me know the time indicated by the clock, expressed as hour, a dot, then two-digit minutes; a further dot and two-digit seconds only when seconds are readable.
10.08
